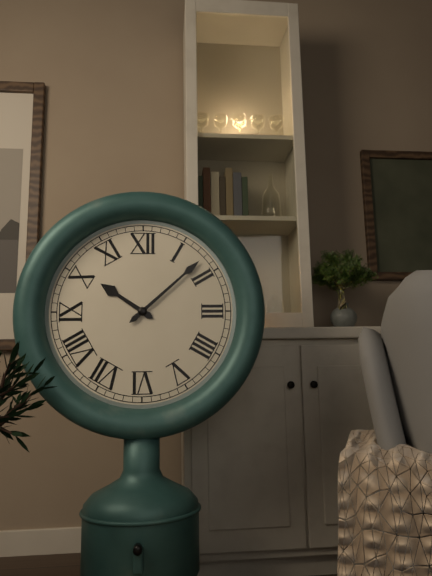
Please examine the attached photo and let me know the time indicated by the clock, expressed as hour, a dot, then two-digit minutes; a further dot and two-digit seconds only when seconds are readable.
10.08
